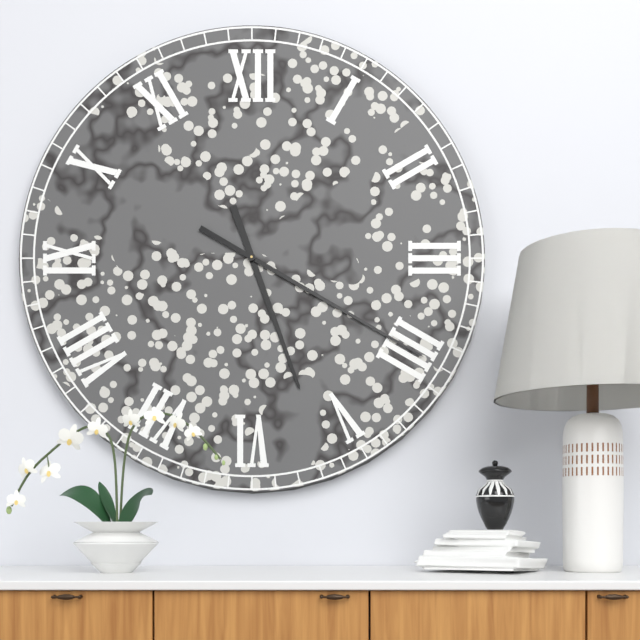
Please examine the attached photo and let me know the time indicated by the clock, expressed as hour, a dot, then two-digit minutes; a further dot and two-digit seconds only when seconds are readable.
5.20
